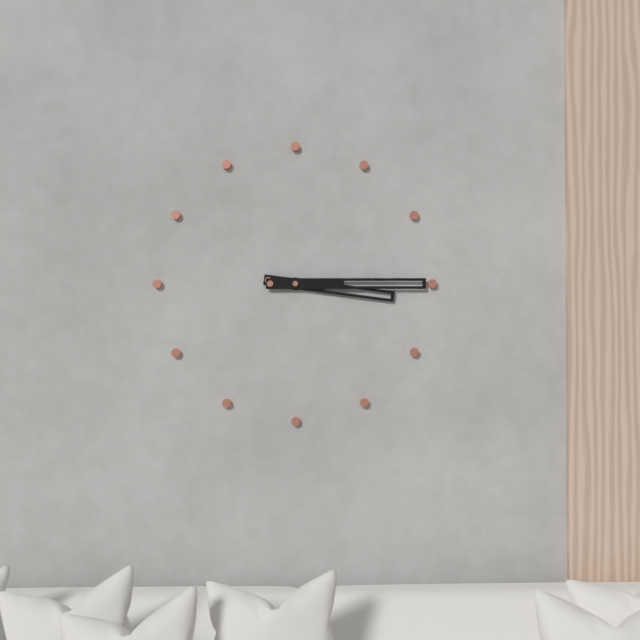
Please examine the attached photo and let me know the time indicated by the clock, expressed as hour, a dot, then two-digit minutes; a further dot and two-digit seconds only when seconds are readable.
3.15
